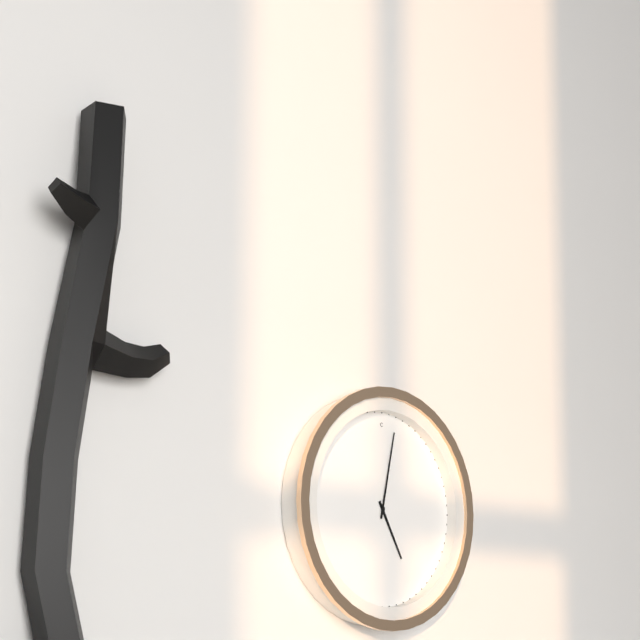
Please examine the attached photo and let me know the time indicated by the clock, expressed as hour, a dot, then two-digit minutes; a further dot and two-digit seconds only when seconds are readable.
5.02
